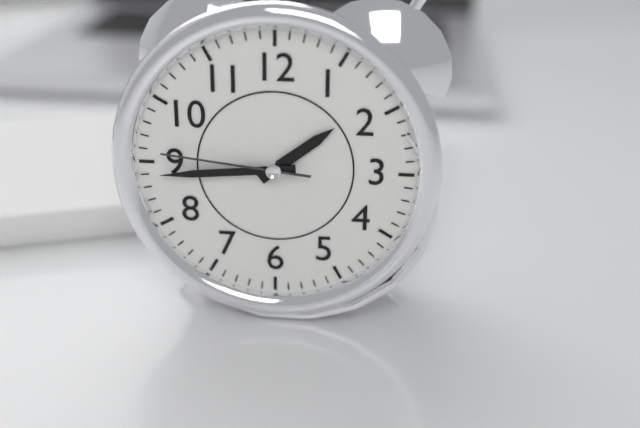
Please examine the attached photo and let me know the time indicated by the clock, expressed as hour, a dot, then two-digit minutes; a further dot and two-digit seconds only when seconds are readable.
1.44.46
